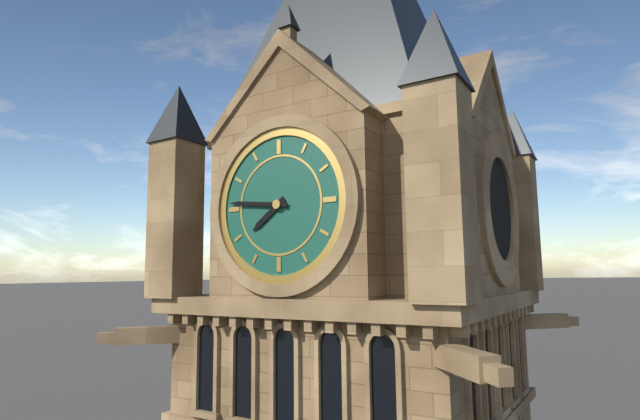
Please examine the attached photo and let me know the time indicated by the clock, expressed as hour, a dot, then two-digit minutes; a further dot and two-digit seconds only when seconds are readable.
7.46
